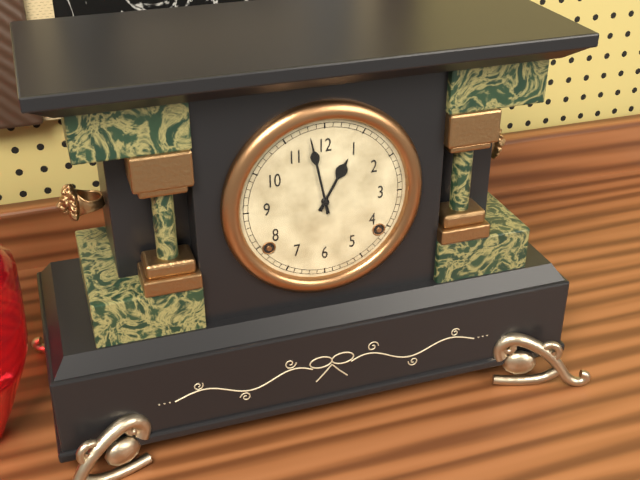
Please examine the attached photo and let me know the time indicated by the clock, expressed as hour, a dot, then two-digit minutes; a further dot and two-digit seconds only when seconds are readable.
12.58
